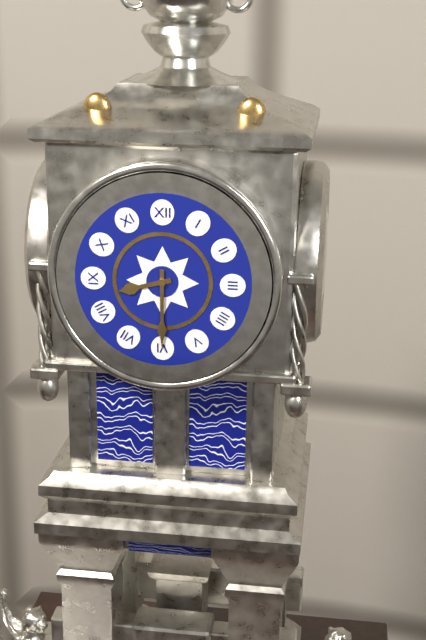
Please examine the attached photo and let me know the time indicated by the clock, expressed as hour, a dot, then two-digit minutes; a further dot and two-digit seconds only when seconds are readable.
8.30
